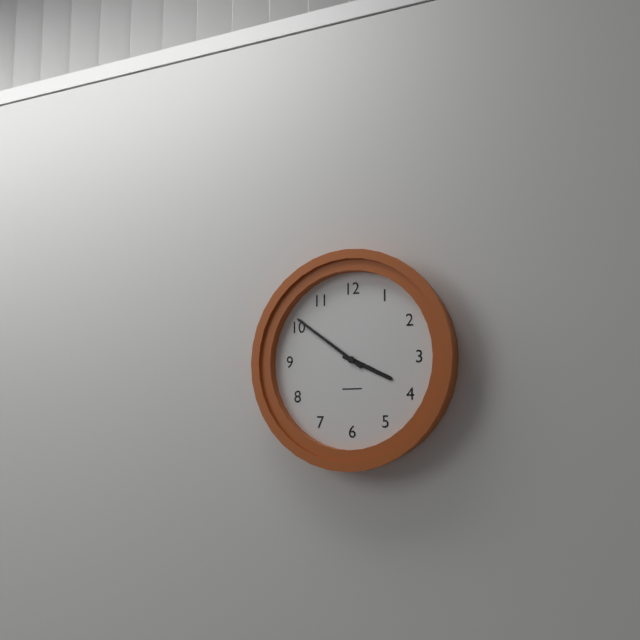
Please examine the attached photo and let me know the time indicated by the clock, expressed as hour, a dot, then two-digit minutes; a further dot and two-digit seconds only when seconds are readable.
3.51
